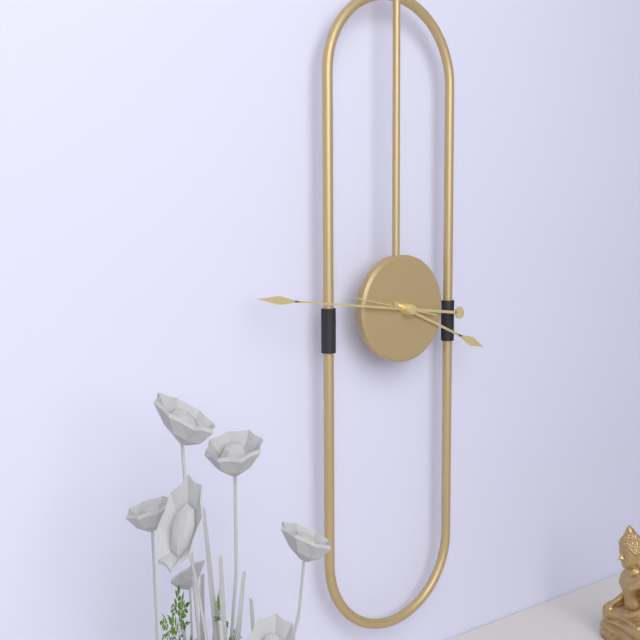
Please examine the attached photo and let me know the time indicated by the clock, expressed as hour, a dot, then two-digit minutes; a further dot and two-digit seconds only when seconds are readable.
3.46
